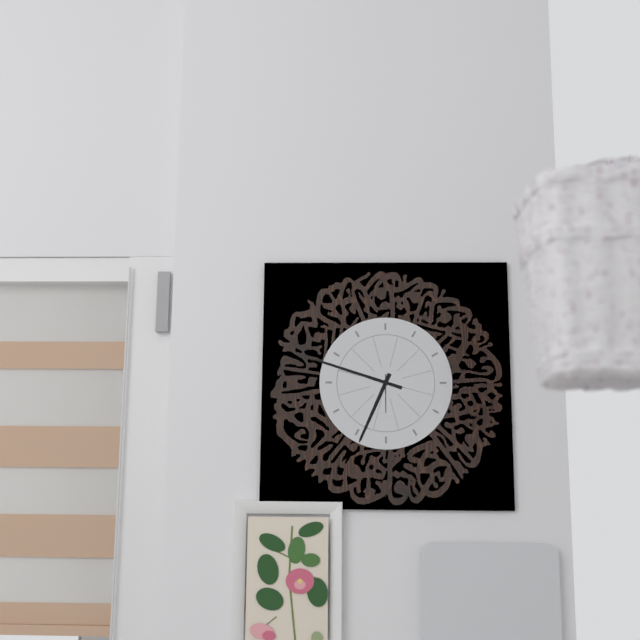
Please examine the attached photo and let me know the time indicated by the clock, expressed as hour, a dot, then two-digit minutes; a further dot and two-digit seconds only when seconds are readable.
6.48
